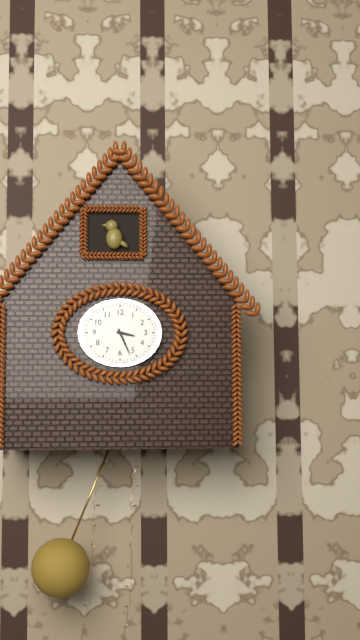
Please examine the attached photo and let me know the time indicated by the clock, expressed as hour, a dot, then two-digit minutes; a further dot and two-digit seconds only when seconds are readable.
3.26
